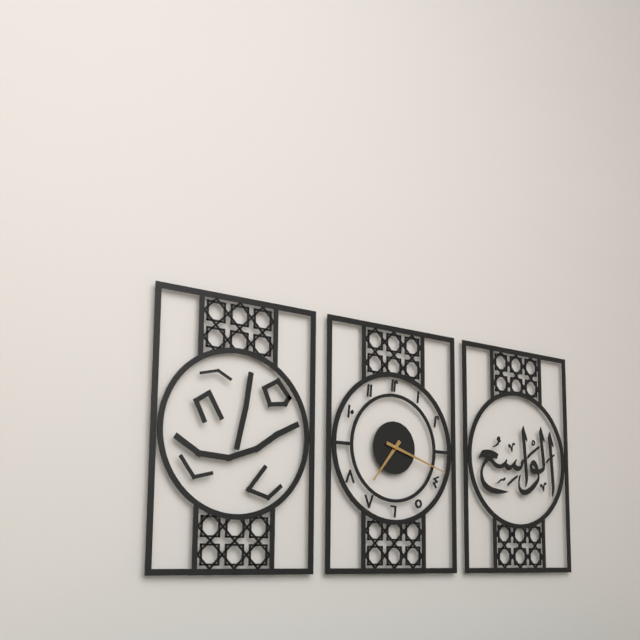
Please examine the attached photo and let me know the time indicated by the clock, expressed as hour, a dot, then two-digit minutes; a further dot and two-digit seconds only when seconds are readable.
7.18
